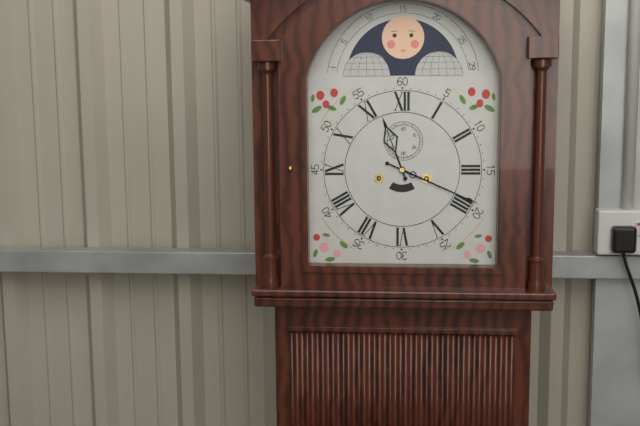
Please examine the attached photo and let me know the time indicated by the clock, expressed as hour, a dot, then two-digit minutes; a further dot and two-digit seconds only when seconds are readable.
11.19
